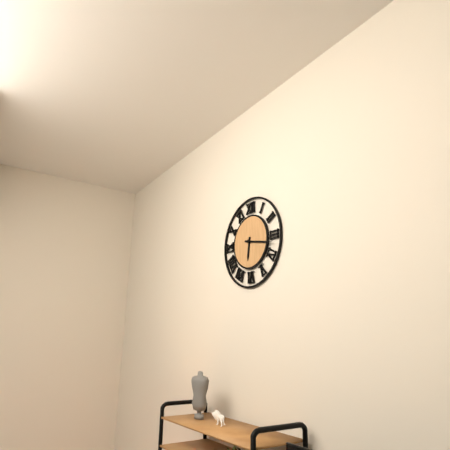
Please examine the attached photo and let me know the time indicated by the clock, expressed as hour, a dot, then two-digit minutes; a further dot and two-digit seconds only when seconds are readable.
6.17
